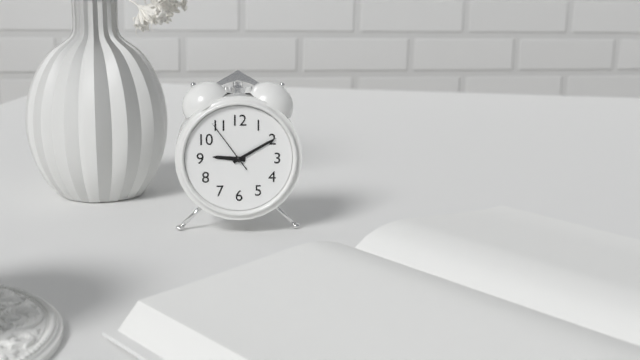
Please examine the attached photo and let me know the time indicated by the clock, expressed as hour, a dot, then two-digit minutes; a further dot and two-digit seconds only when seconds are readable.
9.10.54
